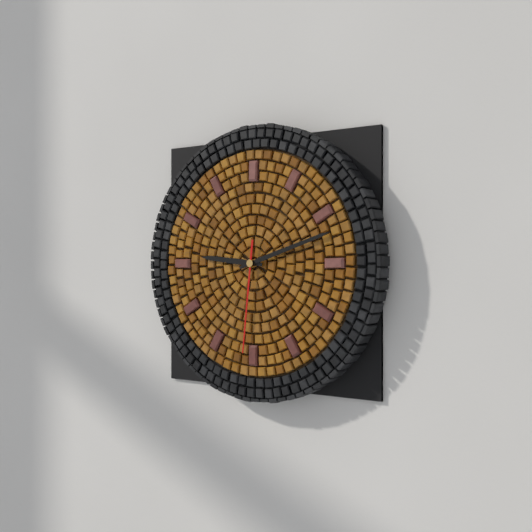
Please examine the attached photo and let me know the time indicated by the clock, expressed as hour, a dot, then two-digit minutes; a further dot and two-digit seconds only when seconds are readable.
9.12.31
